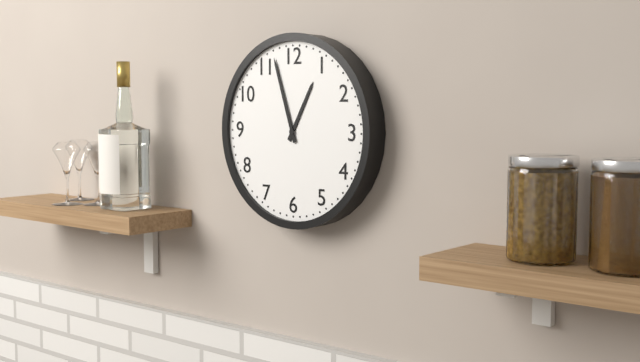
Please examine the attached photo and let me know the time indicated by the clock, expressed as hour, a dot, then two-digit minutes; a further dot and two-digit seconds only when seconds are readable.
12.57
